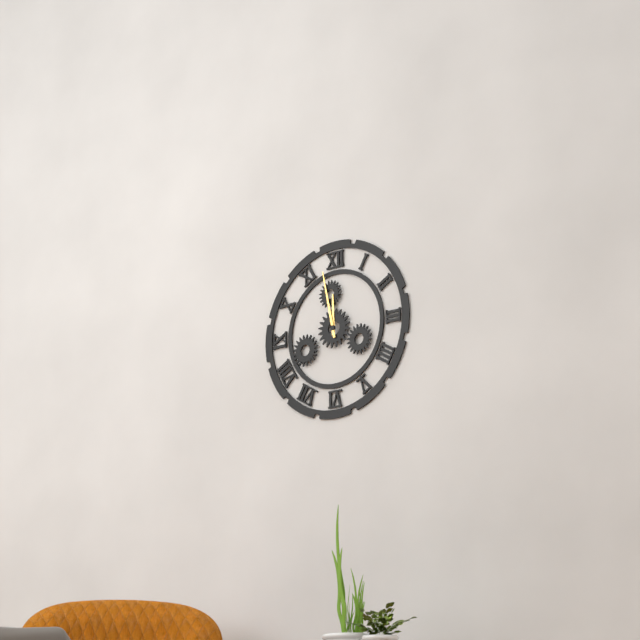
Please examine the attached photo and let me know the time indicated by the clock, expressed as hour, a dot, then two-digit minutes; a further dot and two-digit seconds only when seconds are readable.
11.58
